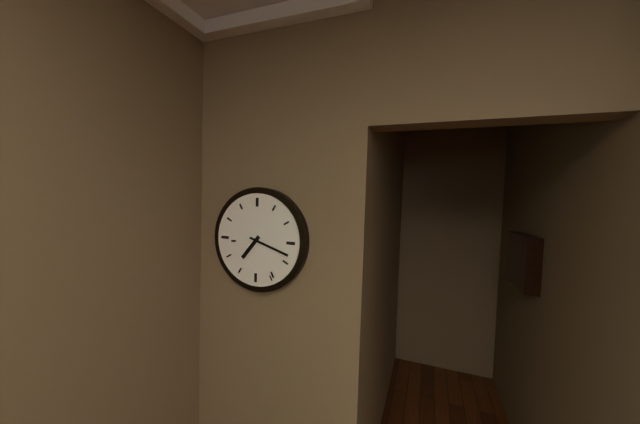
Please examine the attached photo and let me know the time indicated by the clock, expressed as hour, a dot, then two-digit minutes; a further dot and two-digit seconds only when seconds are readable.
7.18
